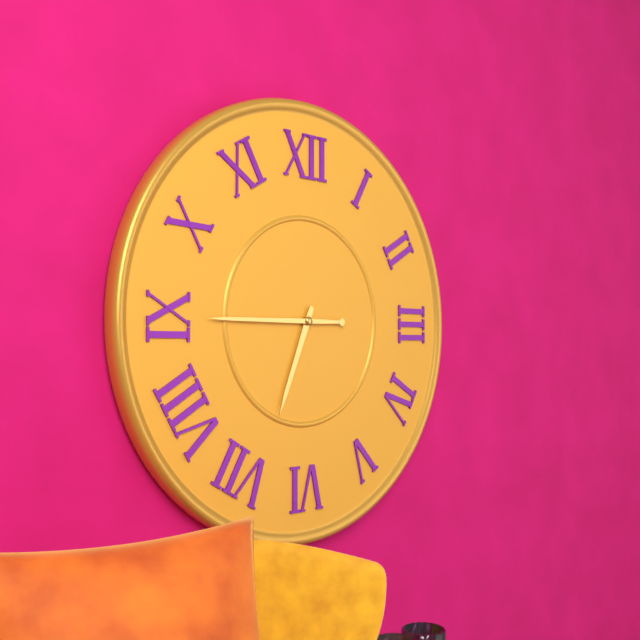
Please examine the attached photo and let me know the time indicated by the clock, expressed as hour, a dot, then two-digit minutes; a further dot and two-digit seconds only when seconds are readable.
6.45
